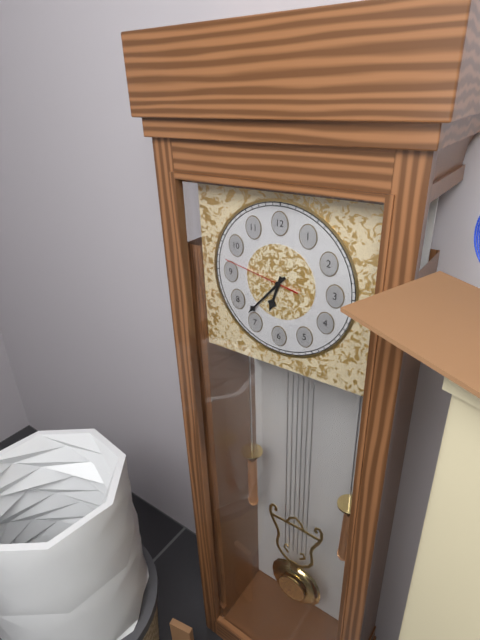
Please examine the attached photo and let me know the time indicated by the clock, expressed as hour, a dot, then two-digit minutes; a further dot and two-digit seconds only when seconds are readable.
6.37.47
